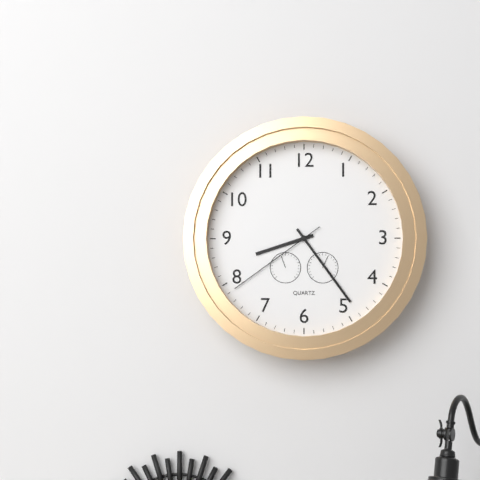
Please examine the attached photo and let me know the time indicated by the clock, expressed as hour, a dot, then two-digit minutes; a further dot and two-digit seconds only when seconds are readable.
8.24.39
